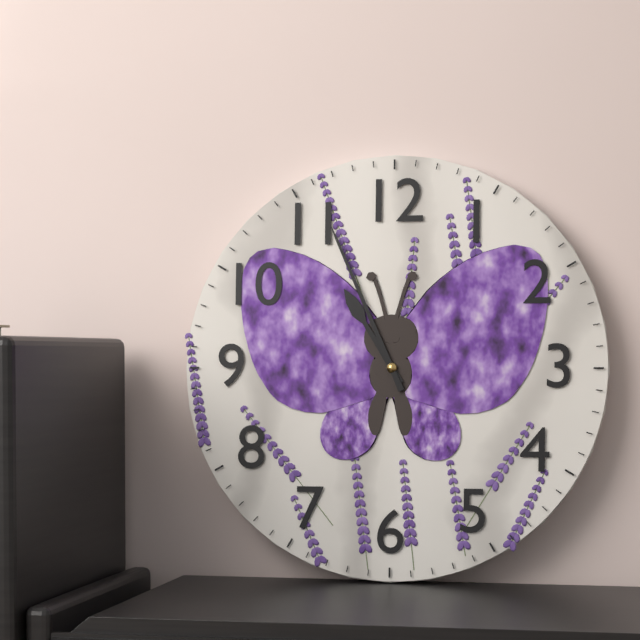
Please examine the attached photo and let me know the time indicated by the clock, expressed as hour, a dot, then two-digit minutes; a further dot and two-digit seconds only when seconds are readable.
10.56
